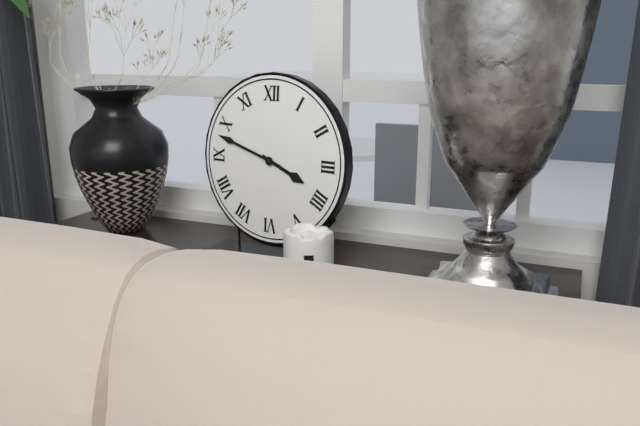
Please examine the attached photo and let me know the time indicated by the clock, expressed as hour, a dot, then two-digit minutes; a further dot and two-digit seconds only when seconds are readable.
3.48
